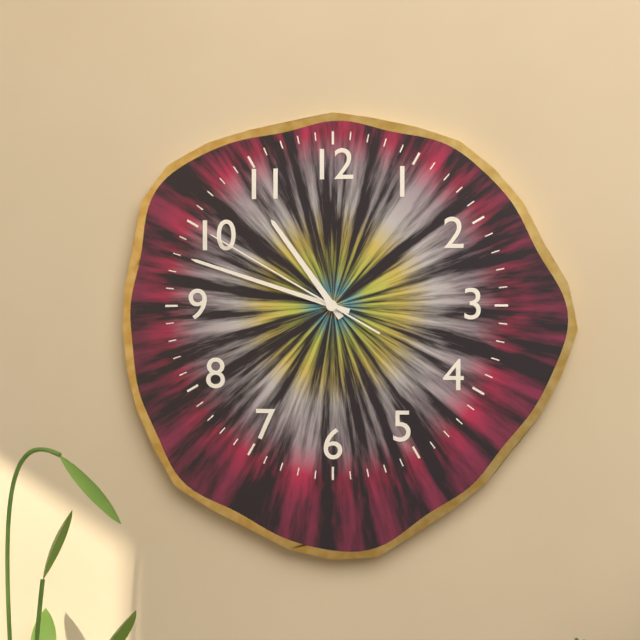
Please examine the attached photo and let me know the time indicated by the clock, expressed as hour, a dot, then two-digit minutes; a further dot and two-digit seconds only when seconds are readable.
10.48.50
